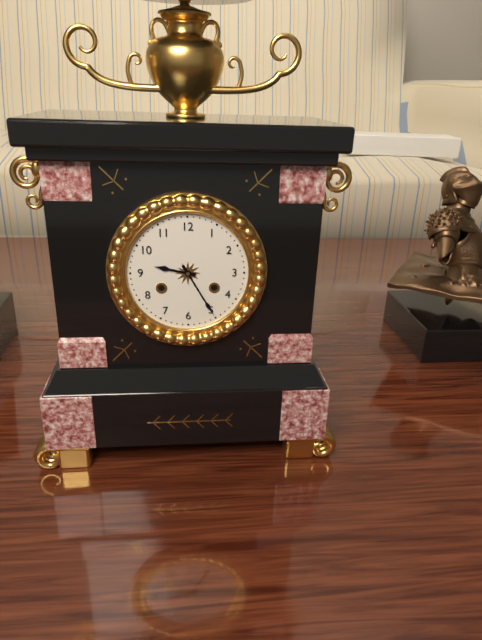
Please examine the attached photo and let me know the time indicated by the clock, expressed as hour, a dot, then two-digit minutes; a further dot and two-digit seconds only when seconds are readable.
9.25
